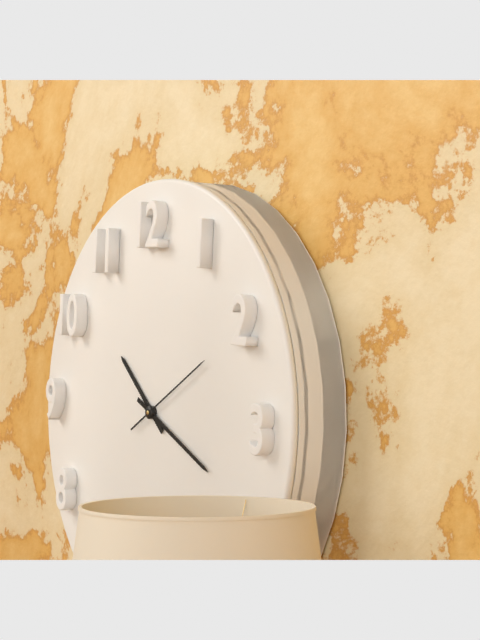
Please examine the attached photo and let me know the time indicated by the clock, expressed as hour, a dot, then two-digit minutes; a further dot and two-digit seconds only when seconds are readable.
10.19.10
